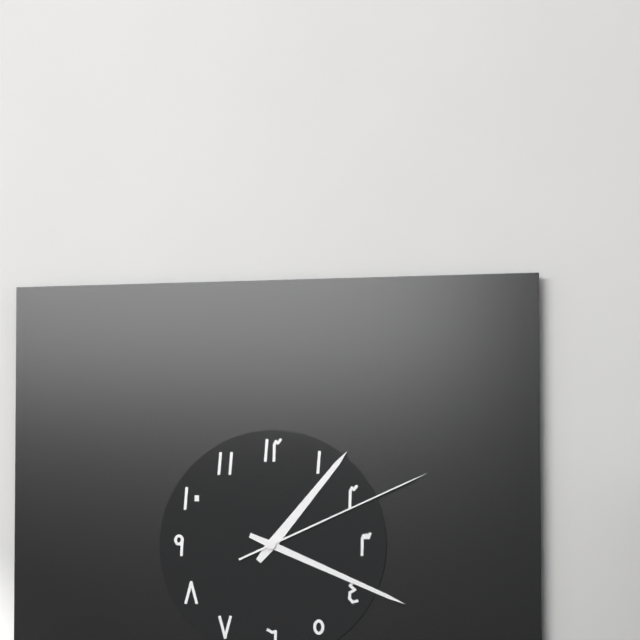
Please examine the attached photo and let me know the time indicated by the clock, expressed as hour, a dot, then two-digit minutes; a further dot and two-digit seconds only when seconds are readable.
1.19.11
